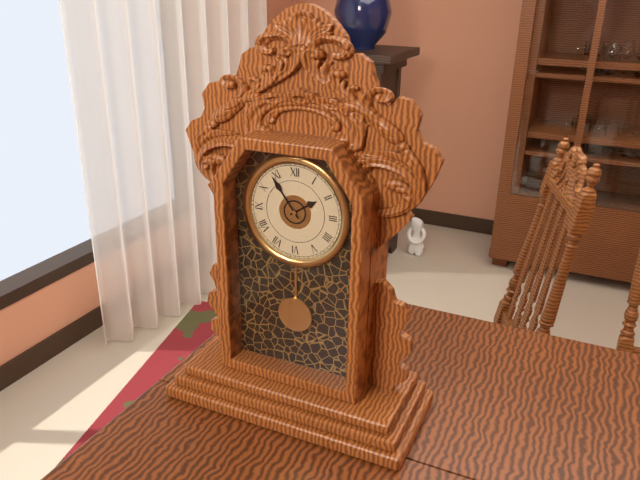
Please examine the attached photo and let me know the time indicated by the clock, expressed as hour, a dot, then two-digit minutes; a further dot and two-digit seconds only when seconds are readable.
1.54
